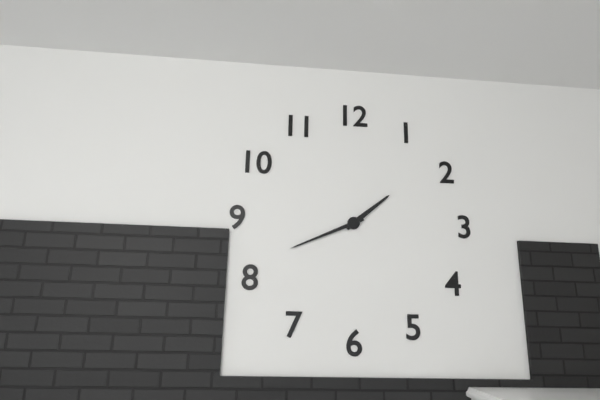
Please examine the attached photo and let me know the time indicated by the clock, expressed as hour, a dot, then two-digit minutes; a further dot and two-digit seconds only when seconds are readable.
1.41
